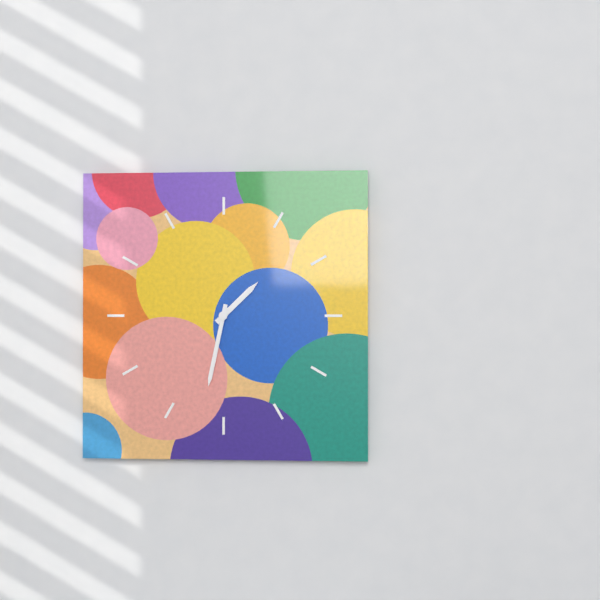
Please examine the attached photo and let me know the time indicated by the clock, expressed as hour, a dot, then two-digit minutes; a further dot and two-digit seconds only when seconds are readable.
1.32
